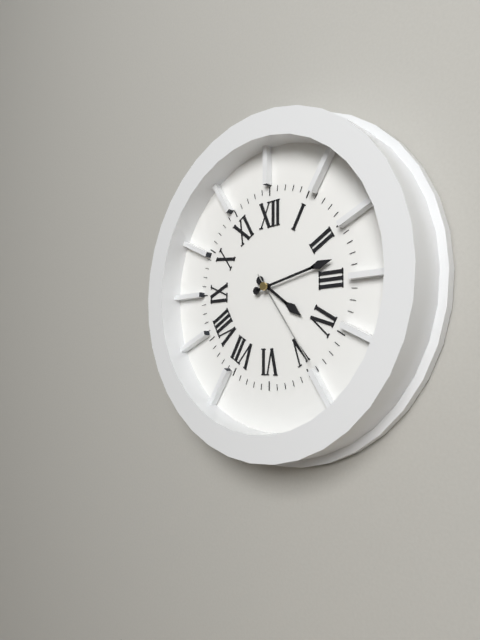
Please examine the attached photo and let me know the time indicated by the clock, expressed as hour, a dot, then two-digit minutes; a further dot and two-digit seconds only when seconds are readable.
4.13.24
